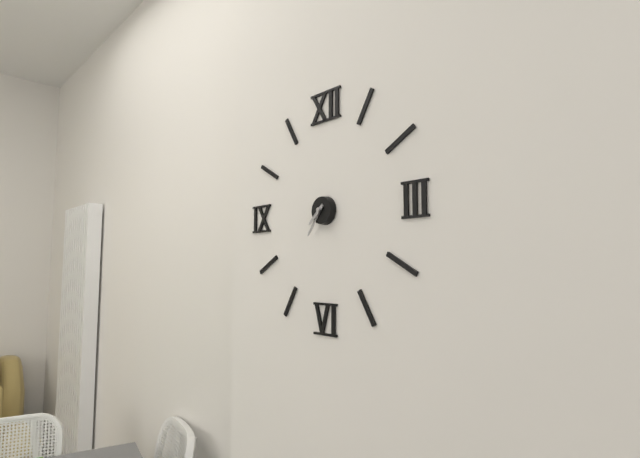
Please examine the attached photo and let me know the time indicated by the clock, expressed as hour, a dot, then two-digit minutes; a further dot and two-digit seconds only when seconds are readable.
7.36
